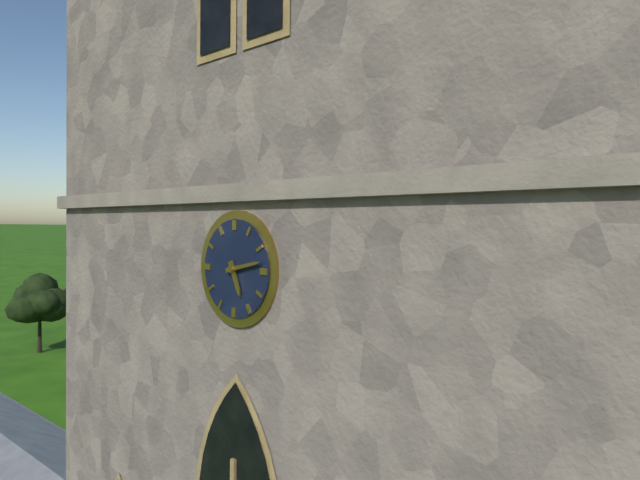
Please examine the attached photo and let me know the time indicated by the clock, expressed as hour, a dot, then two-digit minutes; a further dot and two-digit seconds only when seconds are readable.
5.13
